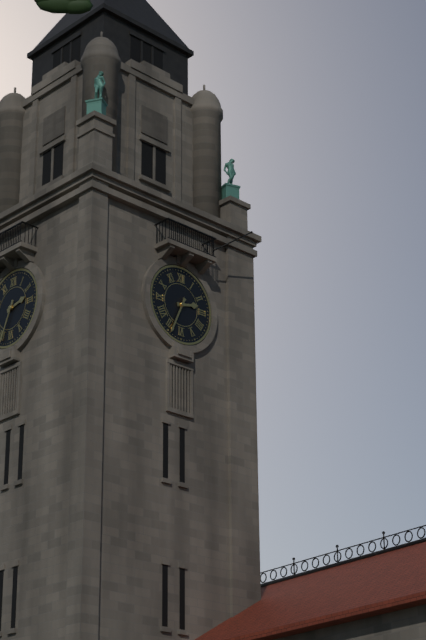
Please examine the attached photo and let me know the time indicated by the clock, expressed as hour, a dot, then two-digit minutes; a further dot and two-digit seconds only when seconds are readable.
2.34
